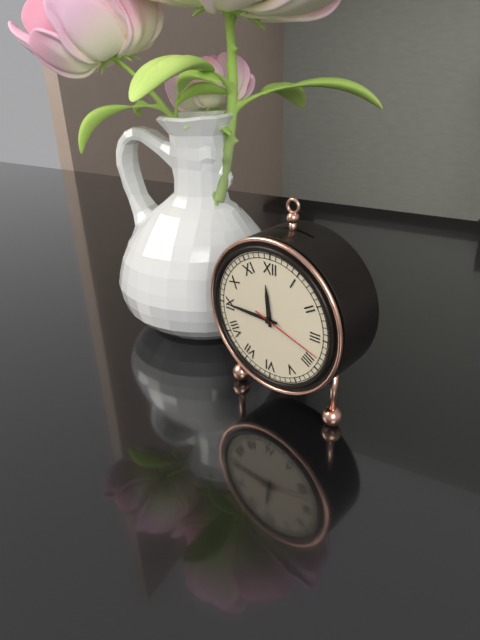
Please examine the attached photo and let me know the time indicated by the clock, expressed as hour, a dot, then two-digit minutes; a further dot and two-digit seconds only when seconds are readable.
11.45.18
